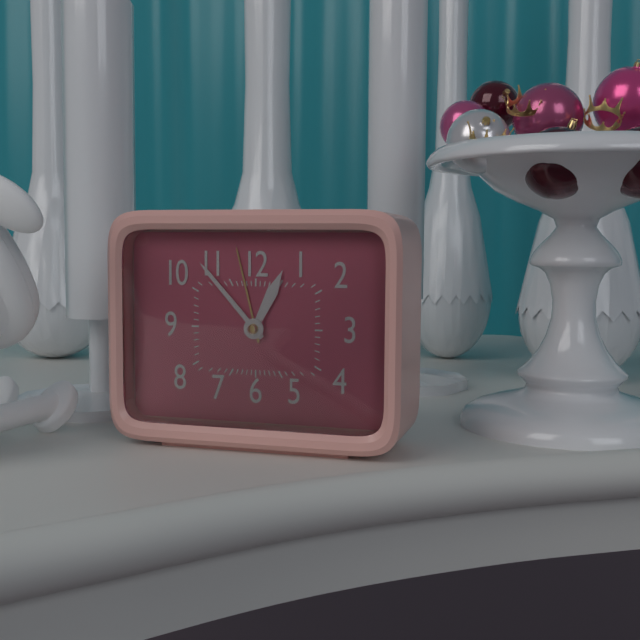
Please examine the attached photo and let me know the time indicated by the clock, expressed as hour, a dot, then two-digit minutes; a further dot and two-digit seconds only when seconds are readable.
12.53
